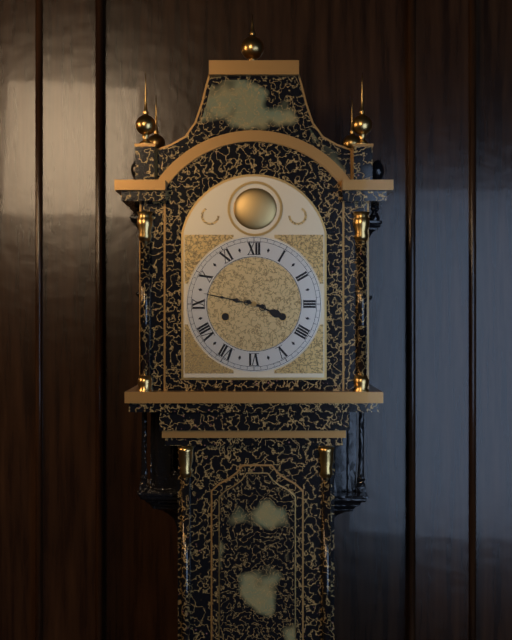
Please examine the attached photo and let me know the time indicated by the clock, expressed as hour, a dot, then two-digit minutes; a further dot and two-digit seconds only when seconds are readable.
3.47
